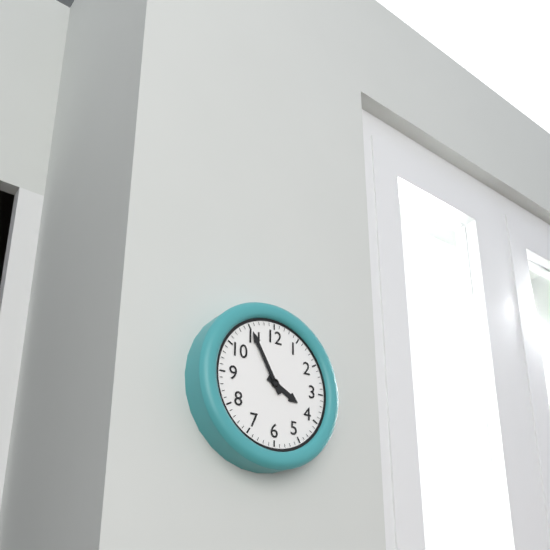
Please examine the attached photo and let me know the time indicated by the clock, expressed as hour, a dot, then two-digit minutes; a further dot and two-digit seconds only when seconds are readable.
3.55
